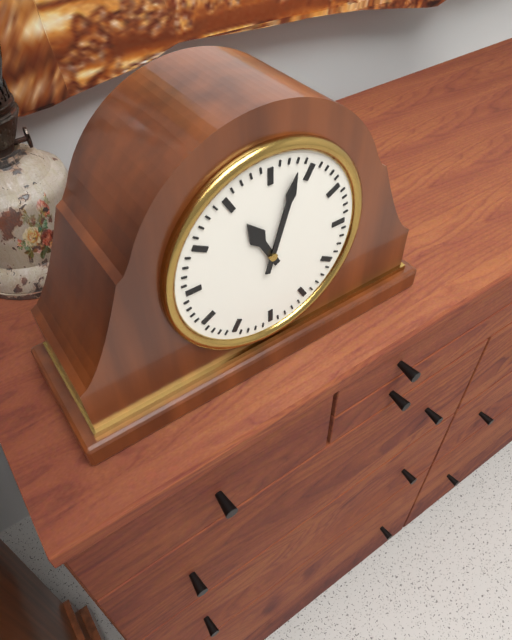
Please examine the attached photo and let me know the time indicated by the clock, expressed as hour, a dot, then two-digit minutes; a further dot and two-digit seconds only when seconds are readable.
11.03
